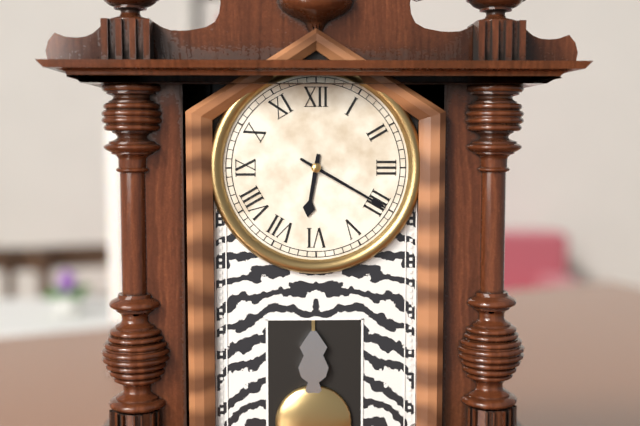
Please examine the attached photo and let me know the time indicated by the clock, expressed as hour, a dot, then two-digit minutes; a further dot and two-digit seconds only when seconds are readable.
6.20
